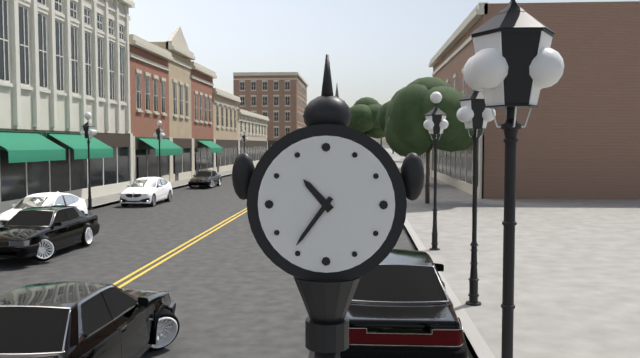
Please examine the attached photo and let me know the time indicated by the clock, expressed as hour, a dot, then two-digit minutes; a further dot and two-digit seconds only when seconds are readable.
10.36
